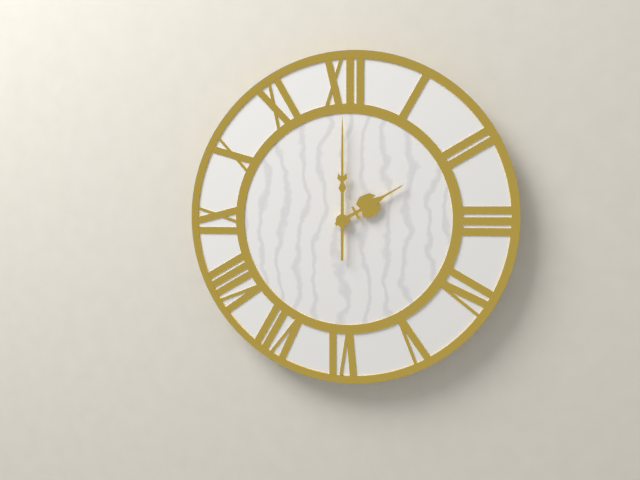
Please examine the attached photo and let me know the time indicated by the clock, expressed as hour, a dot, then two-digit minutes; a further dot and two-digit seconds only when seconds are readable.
2.00
